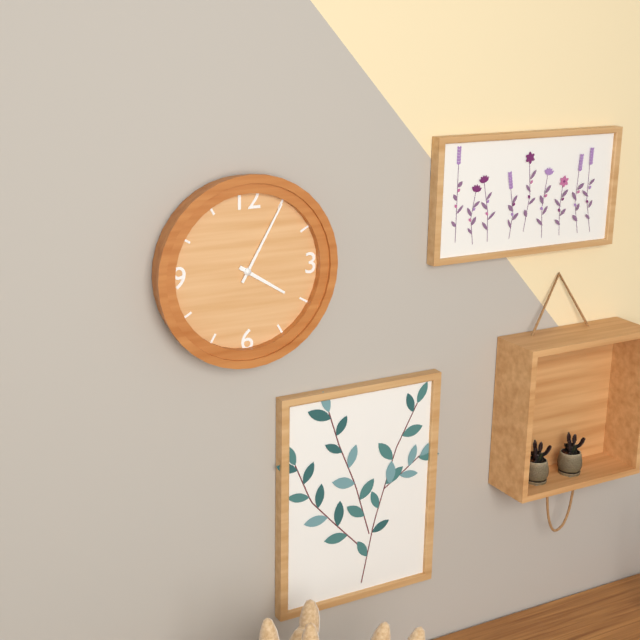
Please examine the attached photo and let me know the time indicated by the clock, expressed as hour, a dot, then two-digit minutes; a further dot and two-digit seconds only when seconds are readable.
4.05
